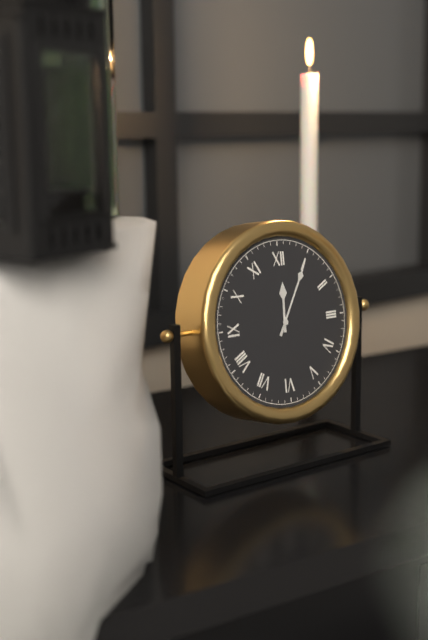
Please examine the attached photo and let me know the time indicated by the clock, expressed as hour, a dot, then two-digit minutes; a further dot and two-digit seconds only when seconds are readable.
12.05
